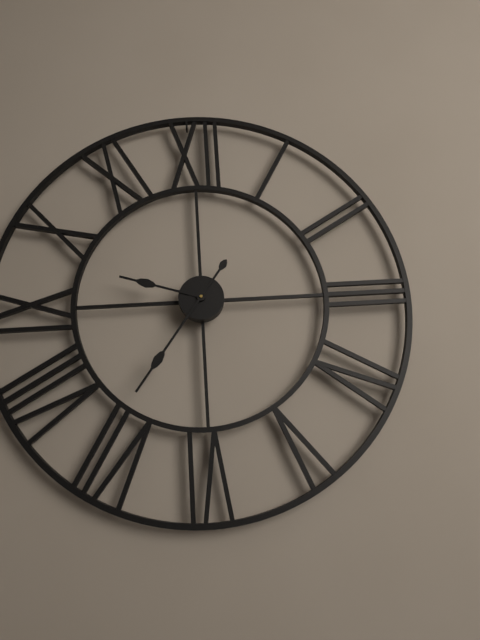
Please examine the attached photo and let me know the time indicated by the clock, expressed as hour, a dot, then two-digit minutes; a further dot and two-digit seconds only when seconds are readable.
9.36
